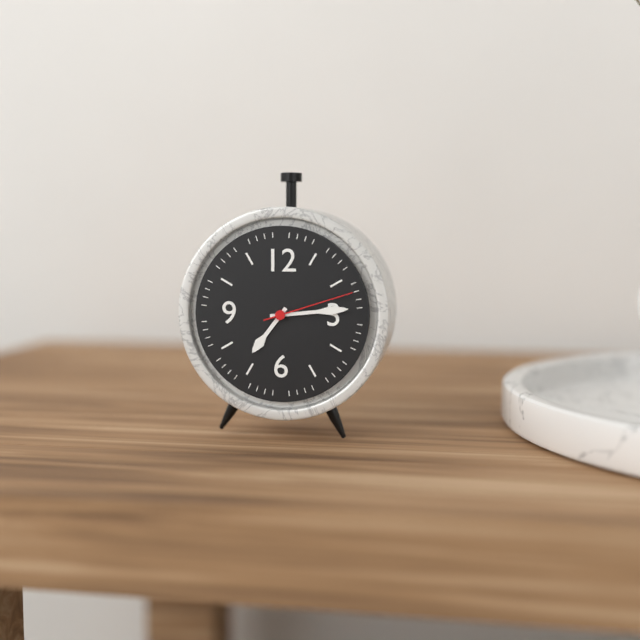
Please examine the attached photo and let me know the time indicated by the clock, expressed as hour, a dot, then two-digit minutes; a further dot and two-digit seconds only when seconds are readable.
7.14.12
